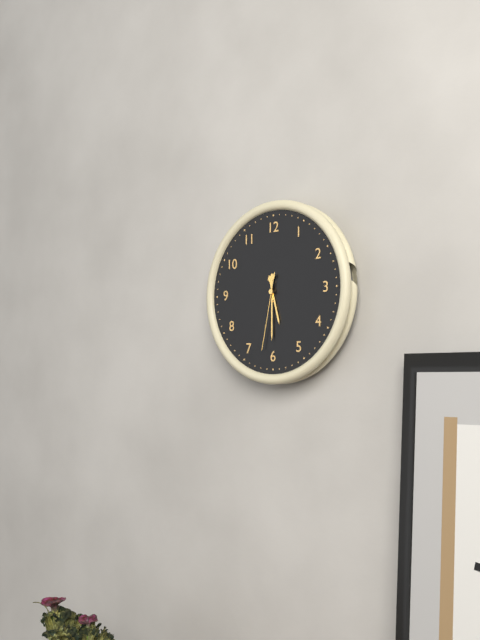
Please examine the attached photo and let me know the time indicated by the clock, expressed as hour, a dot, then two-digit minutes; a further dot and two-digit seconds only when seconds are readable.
5.30.32
